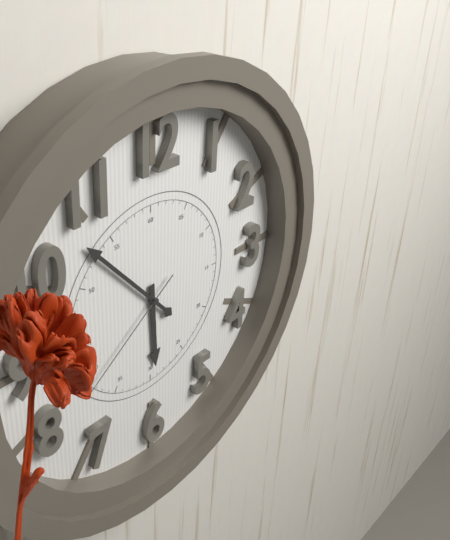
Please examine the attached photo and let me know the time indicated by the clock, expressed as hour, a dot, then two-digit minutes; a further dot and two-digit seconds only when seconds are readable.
5.53.39
